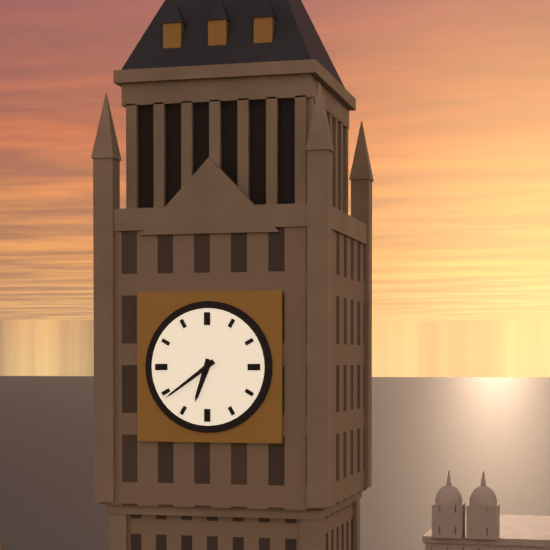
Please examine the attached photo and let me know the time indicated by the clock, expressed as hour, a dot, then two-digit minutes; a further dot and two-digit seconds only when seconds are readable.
6.39
